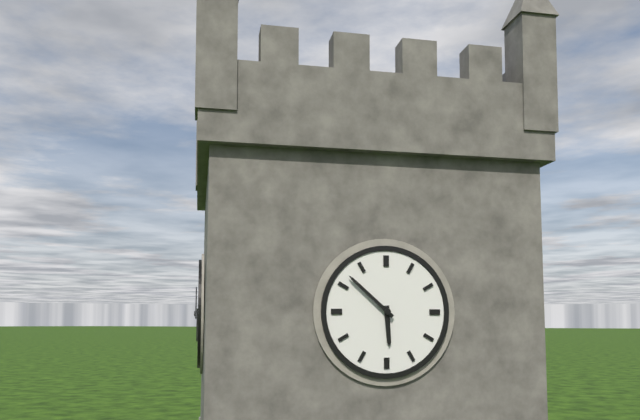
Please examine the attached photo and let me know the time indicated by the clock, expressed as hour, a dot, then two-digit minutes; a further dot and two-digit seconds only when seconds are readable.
5.52
